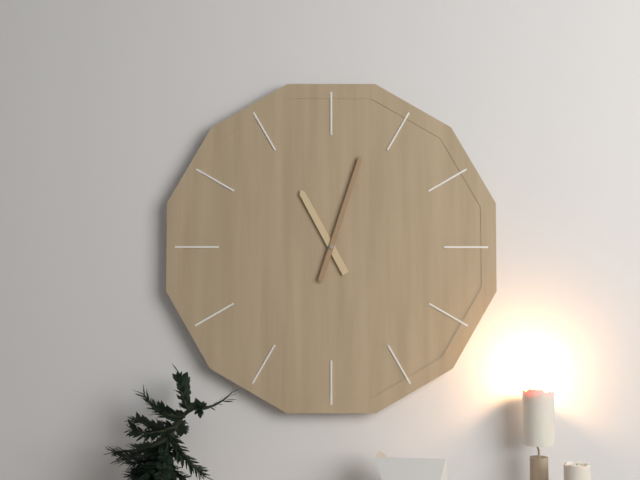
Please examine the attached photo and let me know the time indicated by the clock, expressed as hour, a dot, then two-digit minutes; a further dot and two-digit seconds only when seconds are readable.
11.03
